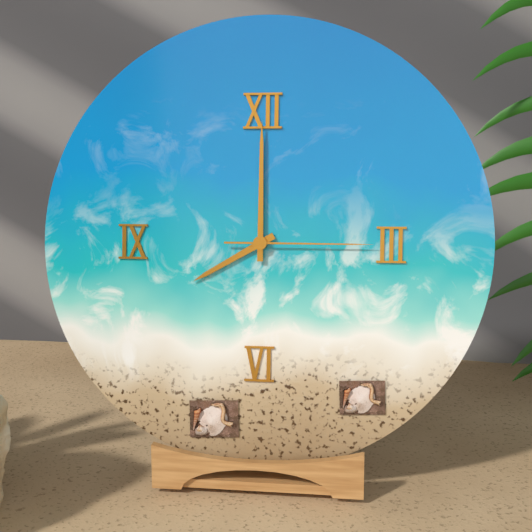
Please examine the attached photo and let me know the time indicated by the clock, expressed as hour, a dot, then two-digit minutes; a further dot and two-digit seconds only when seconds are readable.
8.00.15
